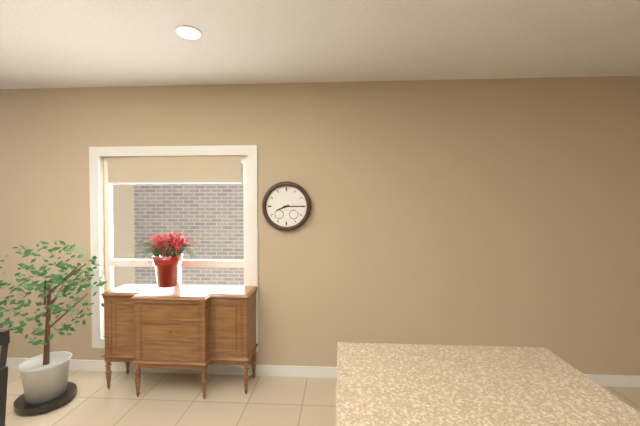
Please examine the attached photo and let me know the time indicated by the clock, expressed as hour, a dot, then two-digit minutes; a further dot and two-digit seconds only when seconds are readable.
8.15
